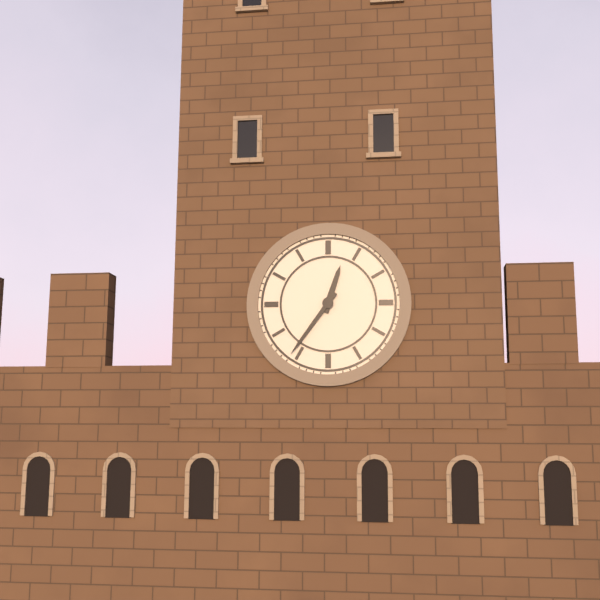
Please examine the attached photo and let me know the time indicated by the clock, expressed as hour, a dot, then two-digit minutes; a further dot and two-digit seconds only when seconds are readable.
12.36
